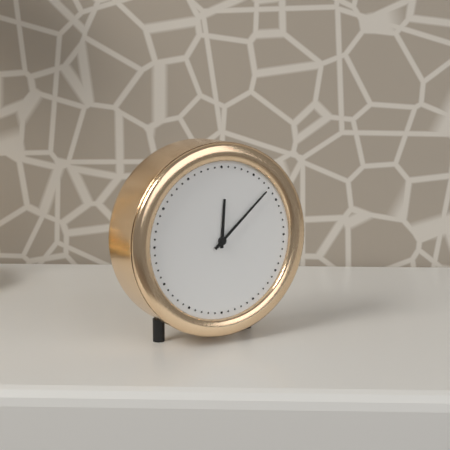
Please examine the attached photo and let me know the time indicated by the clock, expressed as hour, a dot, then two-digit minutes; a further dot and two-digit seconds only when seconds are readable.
12.08
